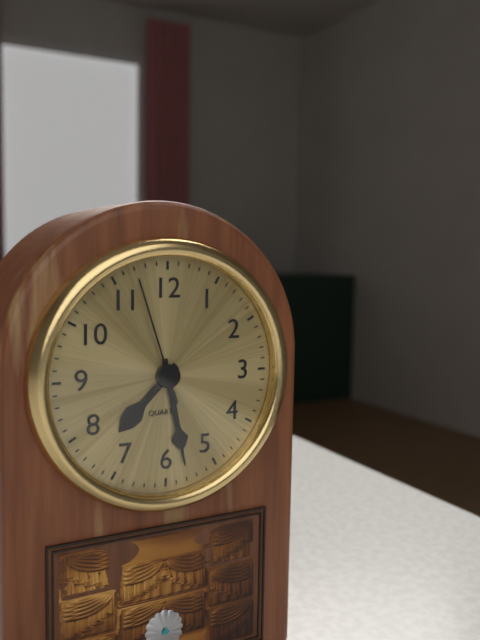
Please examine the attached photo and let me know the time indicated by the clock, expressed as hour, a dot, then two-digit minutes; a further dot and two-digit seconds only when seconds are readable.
7.28.57
